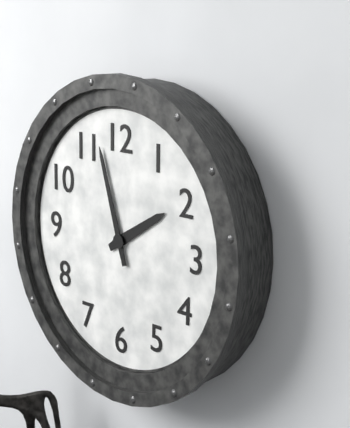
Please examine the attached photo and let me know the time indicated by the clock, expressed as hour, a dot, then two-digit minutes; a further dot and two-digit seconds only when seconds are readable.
1.57
